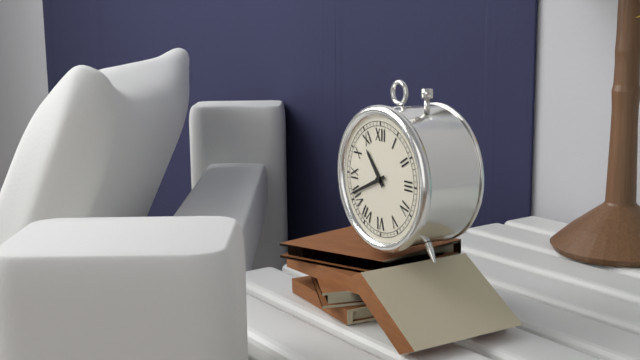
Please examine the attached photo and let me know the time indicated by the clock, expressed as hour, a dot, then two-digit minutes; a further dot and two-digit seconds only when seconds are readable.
10.41
